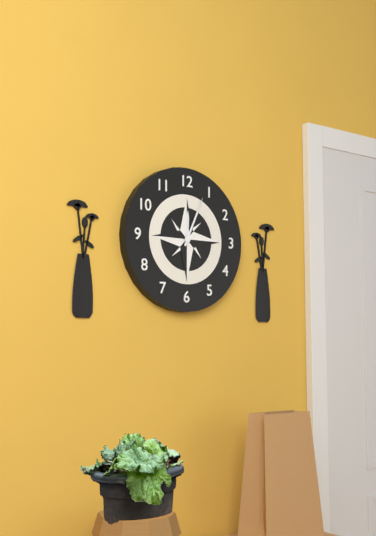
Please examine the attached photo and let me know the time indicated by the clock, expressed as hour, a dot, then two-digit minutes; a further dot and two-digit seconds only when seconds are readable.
12.04
